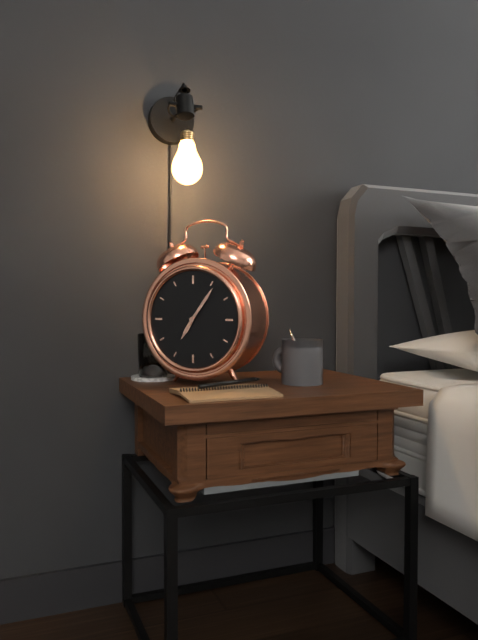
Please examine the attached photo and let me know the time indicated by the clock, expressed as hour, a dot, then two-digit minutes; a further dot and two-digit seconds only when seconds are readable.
7.06
